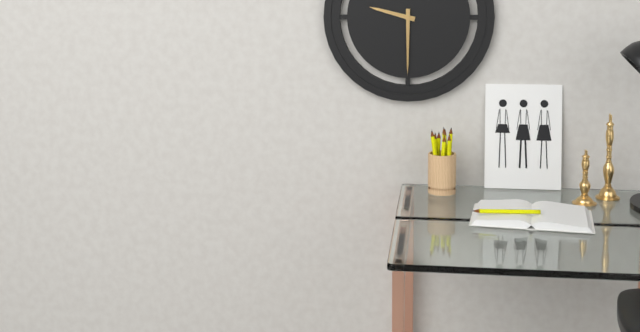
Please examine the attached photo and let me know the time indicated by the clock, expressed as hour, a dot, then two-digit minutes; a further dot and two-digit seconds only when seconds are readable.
9.30
